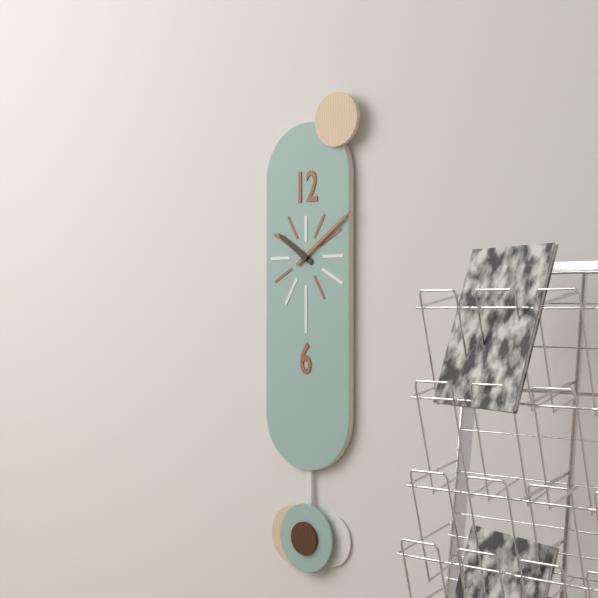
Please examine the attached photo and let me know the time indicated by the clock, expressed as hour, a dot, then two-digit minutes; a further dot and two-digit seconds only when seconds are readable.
10.09
